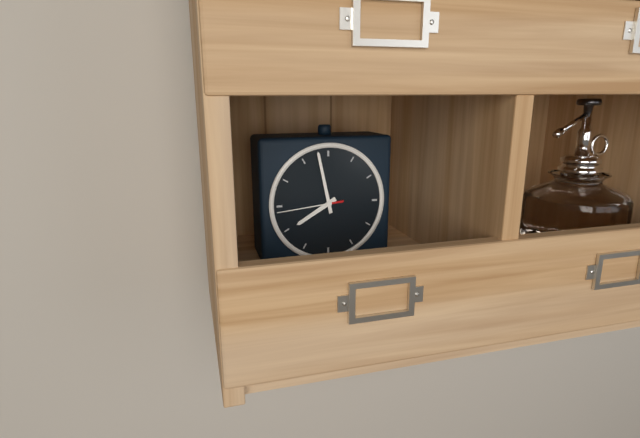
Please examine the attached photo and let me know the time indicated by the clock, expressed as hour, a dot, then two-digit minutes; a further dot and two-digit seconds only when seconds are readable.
7.58.44
